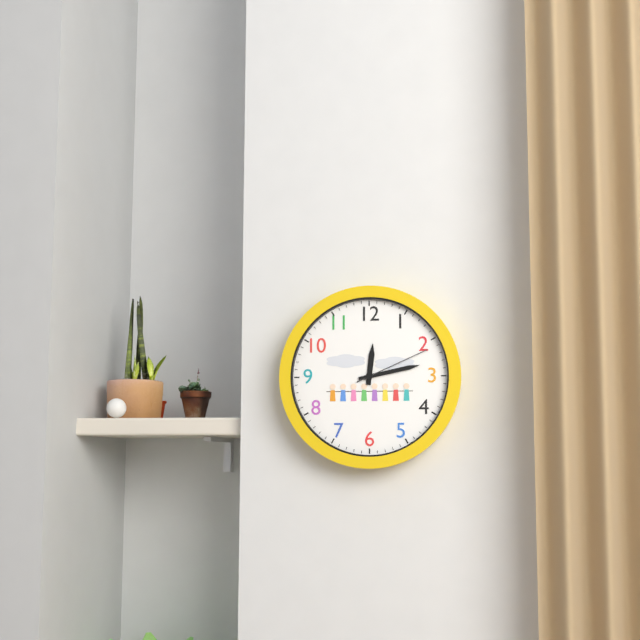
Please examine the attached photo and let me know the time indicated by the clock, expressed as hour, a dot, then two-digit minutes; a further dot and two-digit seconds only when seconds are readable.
12.13.11
